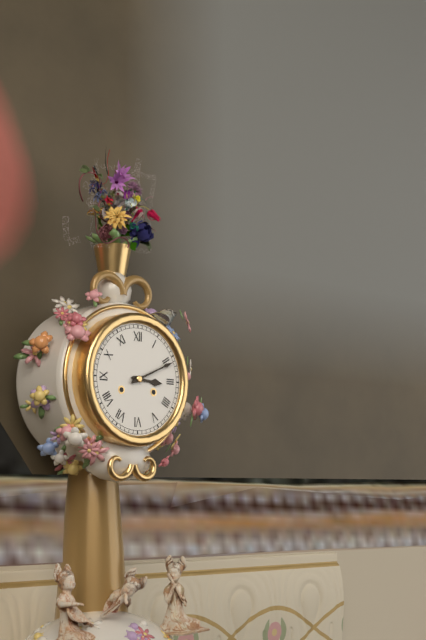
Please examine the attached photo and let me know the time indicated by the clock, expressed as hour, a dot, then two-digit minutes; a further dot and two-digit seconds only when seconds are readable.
3.11
